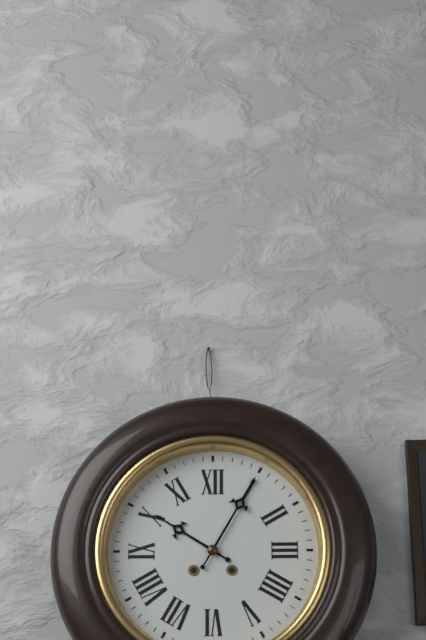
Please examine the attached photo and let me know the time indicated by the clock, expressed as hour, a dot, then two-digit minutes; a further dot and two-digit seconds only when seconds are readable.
10.05
